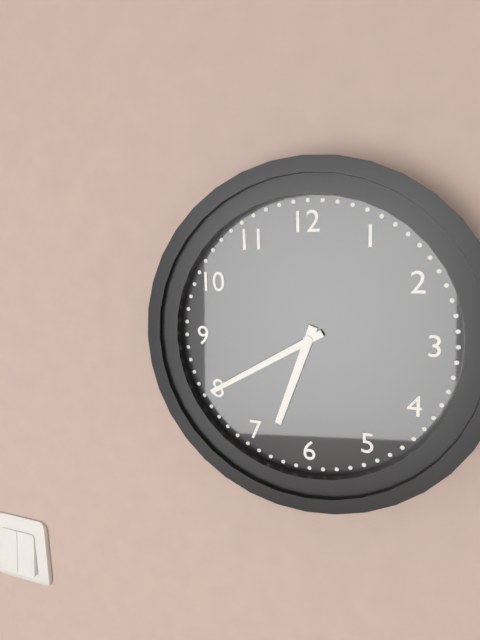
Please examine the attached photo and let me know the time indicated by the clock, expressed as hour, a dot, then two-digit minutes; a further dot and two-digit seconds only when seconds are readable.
6.40
